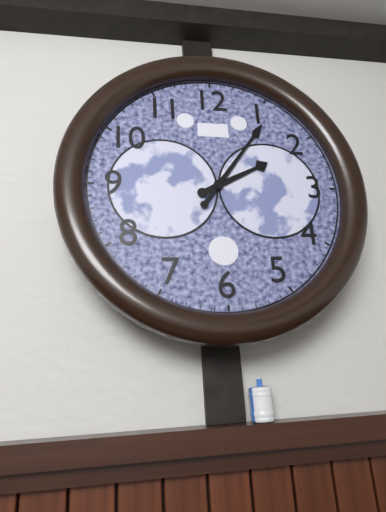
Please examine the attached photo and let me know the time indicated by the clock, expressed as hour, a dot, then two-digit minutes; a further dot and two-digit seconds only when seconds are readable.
2.06
